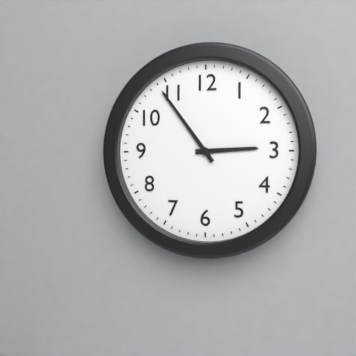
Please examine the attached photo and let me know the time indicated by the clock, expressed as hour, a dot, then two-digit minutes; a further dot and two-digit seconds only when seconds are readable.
2.54
